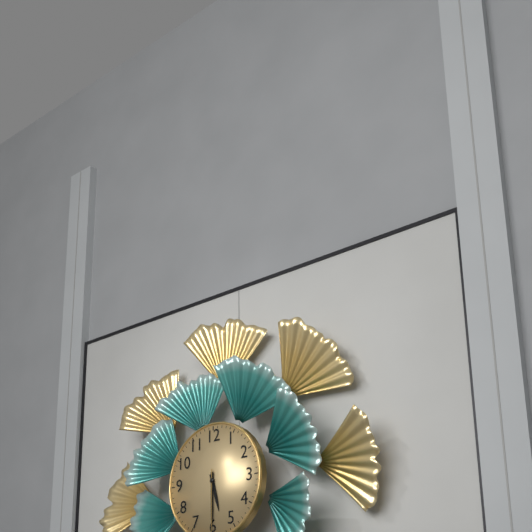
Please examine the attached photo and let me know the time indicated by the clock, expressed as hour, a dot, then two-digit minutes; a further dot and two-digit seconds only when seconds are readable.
5.30
